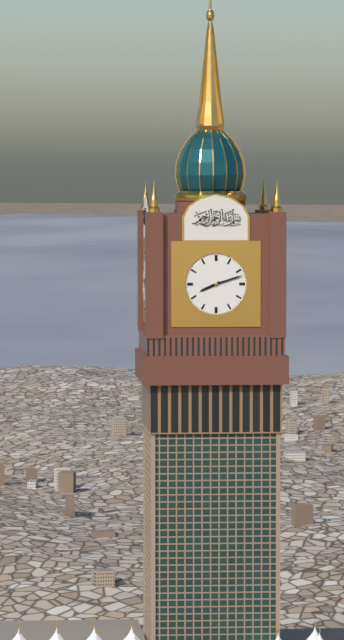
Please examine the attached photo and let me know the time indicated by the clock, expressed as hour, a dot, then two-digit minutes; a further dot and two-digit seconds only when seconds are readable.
8.12
